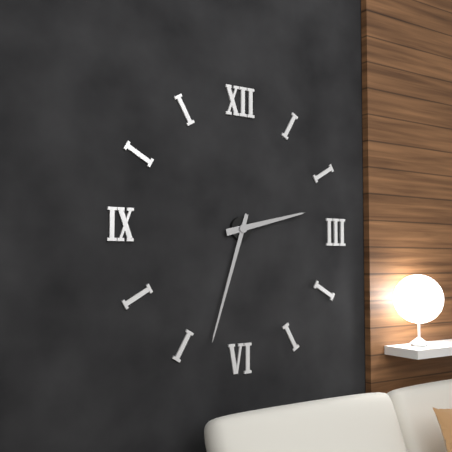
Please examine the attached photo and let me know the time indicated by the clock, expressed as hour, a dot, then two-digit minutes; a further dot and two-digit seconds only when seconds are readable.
2.33
